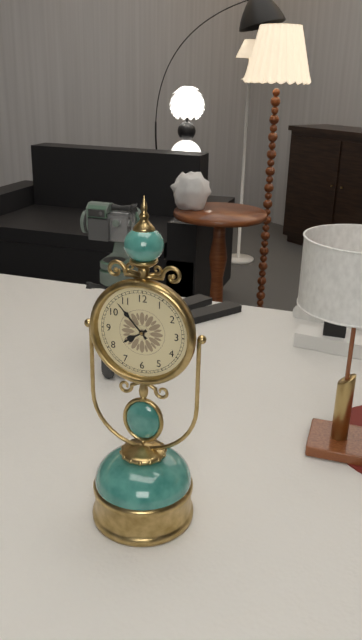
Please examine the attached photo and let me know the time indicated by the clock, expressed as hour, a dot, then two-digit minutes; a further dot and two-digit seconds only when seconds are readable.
7.53
